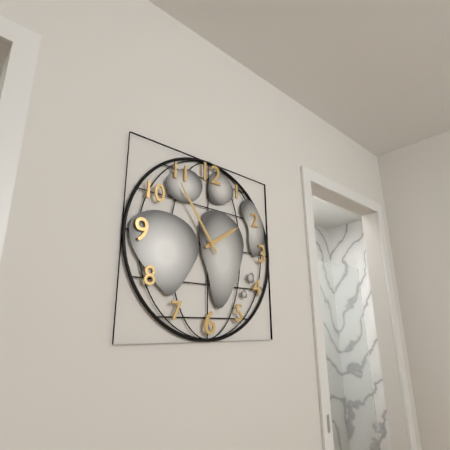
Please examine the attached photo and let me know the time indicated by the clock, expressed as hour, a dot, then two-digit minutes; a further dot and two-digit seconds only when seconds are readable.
1.54
